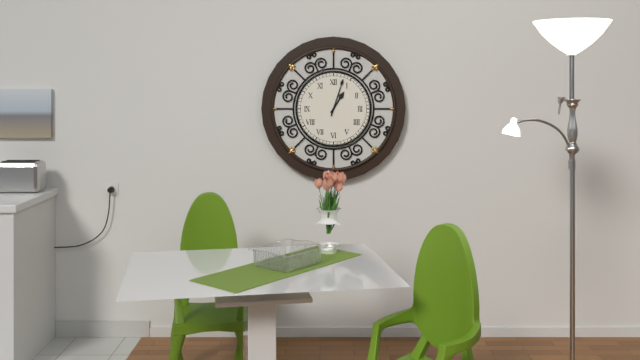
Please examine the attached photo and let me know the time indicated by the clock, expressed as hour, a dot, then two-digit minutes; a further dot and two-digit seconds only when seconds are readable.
1.03
